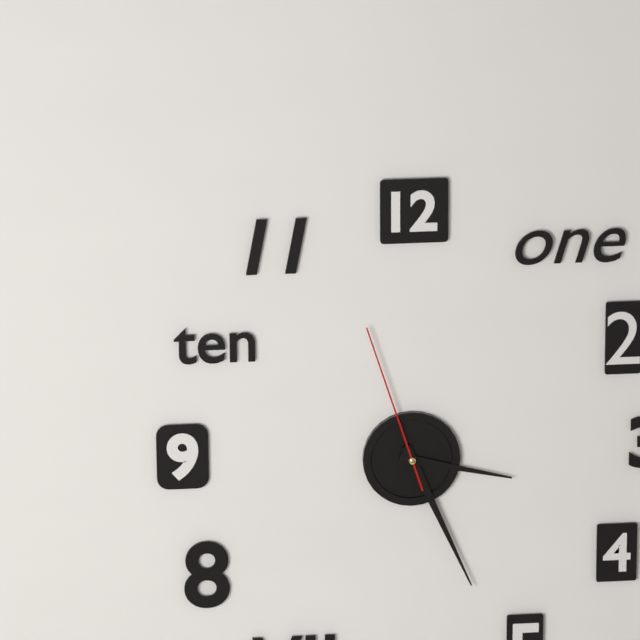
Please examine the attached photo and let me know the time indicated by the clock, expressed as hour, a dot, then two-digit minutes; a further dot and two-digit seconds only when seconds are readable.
3.26.57
